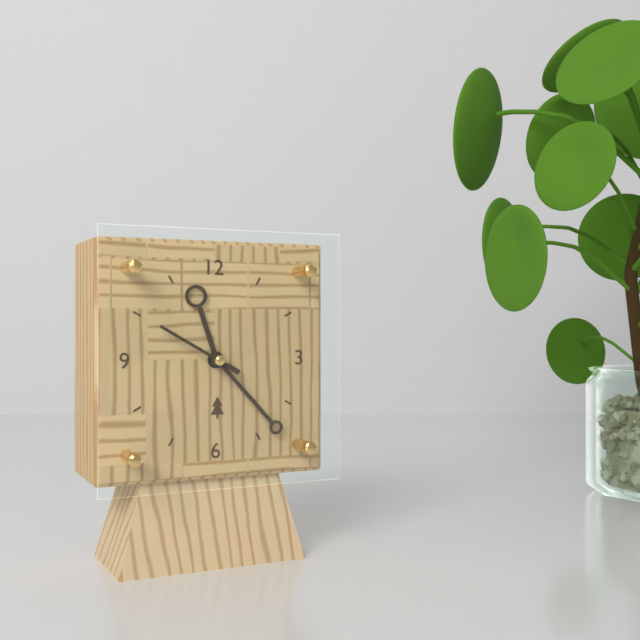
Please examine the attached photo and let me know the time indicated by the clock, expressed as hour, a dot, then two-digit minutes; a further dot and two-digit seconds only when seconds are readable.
11.23.50
